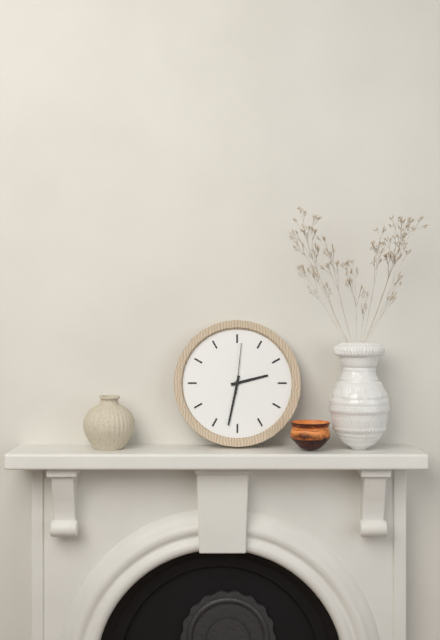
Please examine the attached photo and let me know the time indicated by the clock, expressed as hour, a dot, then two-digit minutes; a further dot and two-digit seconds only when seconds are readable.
2.32.01
